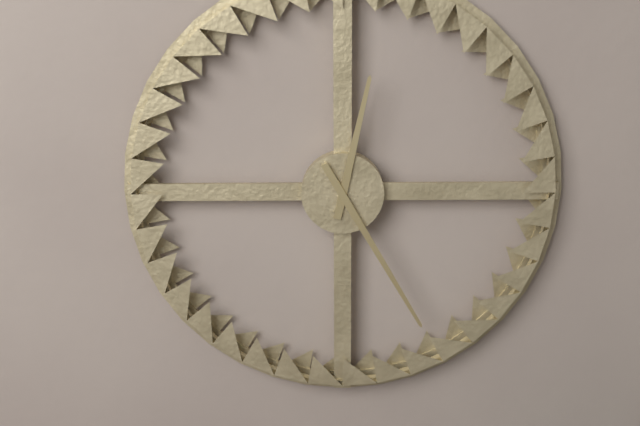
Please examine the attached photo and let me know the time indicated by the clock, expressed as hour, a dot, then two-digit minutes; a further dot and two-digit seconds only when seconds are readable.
12.25
